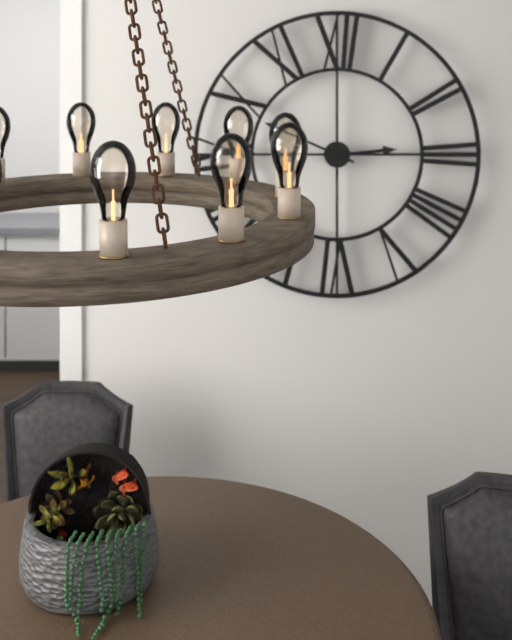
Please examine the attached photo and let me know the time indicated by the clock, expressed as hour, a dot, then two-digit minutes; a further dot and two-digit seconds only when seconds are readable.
2.49
